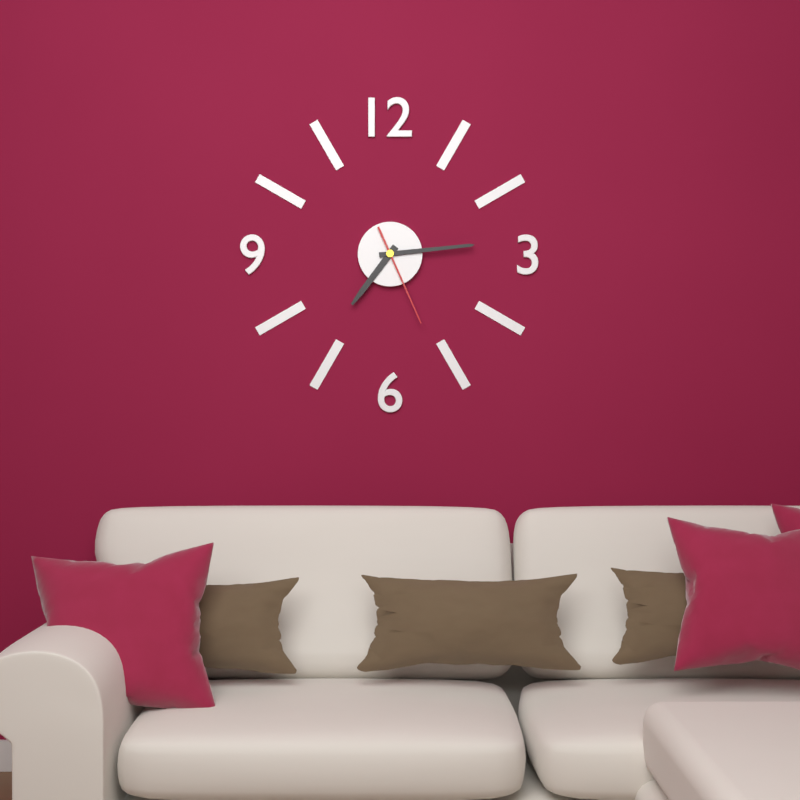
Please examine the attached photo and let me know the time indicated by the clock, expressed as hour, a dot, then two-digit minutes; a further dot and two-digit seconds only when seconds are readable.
7.14.26
